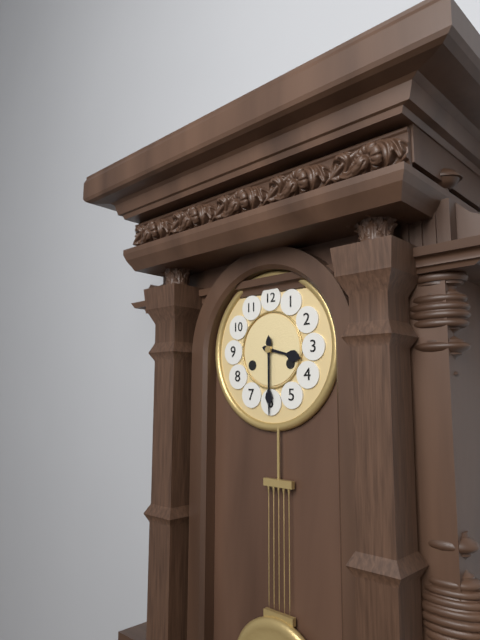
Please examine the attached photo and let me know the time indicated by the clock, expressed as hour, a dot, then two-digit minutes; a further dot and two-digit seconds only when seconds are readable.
3.30
